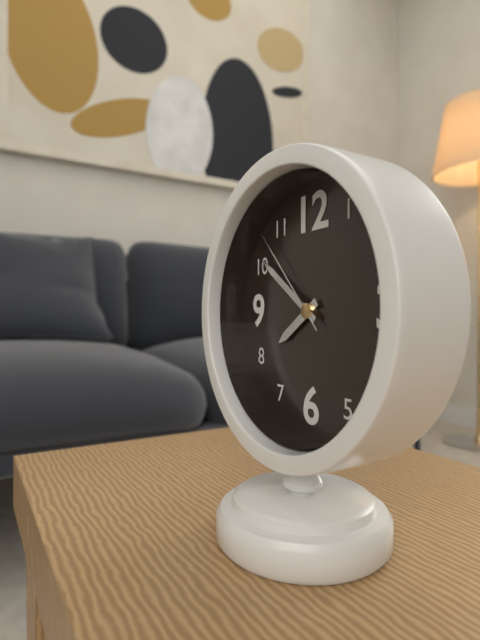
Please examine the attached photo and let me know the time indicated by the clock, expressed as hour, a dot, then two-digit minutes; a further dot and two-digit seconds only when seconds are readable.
7.51.53
